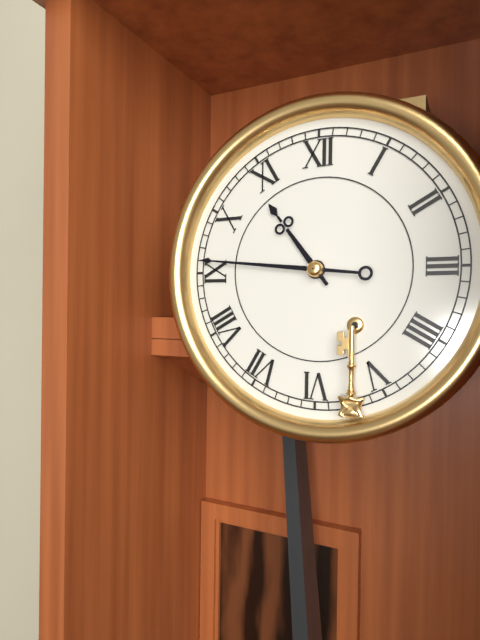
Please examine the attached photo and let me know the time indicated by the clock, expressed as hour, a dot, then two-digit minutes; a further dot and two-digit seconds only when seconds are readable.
10.46
